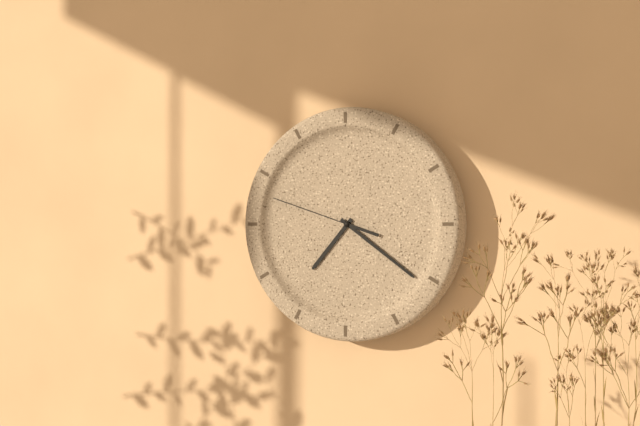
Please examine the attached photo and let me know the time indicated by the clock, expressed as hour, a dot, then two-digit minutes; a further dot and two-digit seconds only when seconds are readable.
7.21.48
